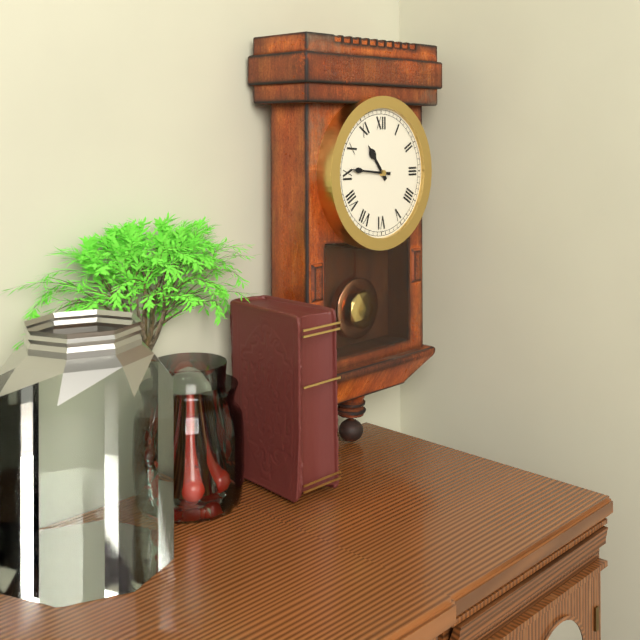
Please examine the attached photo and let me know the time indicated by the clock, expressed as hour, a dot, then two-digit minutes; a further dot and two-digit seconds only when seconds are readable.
10.46
